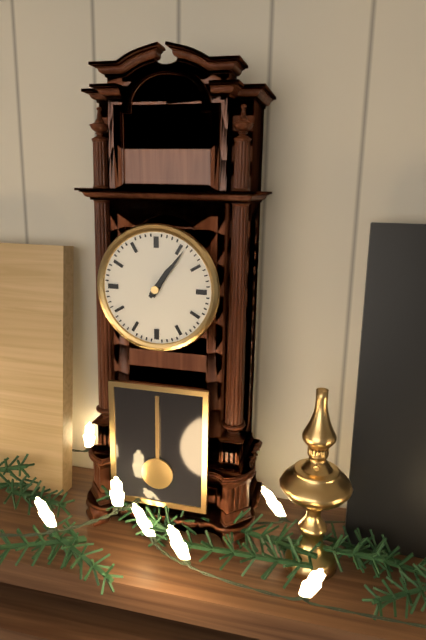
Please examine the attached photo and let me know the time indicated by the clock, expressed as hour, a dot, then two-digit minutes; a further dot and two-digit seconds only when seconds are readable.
1.06
